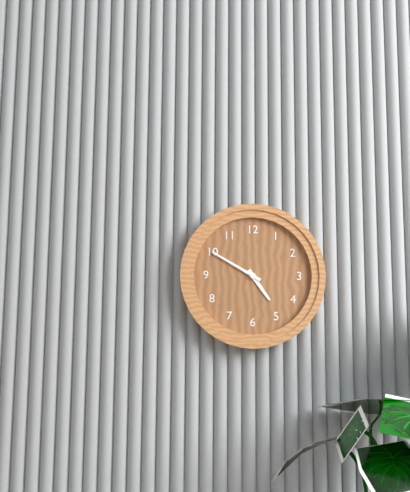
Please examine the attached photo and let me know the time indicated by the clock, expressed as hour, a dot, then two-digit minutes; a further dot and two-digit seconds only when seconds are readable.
4.50
